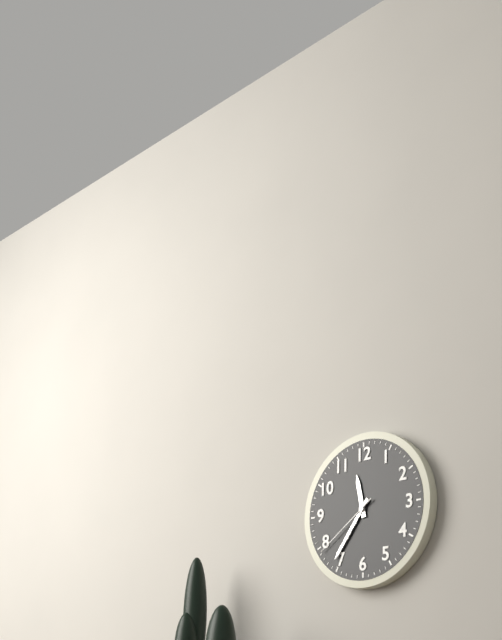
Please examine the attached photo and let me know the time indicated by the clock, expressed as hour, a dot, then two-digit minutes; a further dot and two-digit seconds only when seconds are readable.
11.36.39
